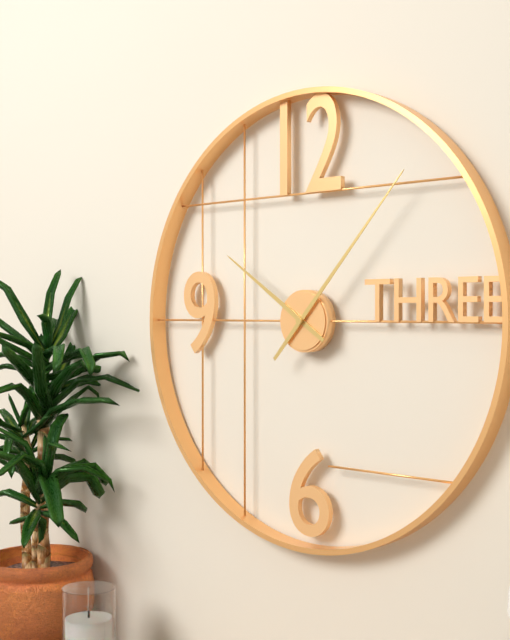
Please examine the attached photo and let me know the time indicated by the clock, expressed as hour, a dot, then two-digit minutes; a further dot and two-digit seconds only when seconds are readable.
10.07
